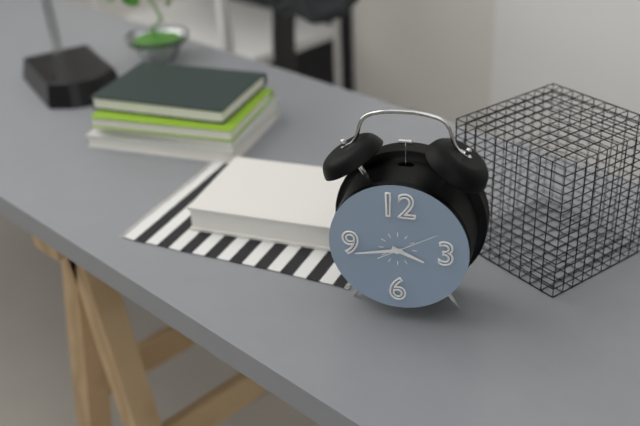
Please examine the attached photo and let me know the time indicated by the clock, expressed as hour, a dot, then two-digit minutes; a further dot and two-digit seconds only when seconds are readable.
3.43.10
